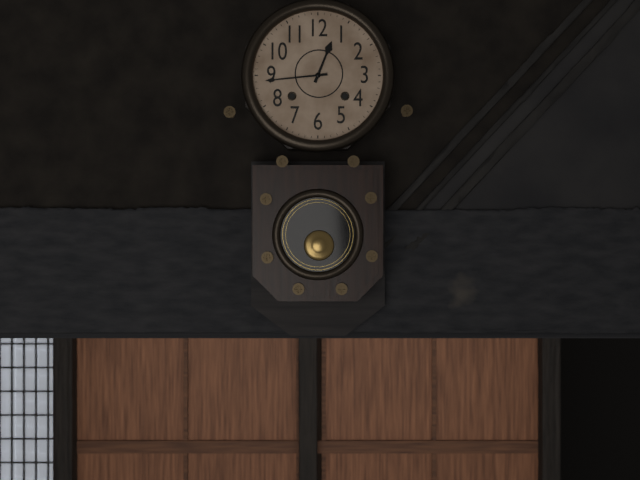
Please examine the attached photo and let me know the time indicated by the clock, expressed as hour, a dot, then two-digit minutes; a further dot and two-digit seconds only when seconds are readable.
12.44
